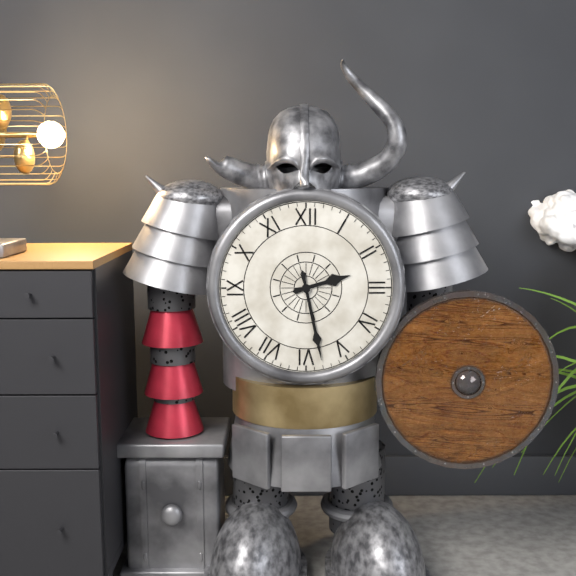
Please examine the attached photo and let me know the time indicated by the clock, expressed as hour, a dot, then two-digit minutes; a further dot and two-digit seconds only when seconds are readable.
2.28
